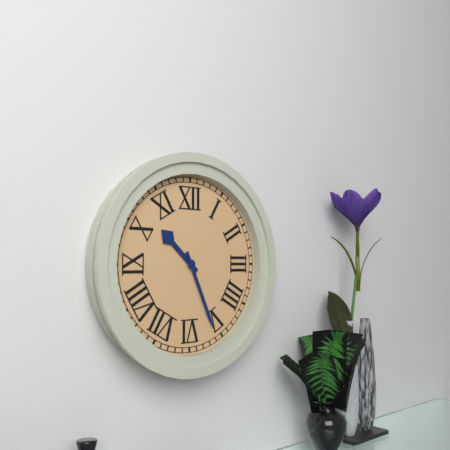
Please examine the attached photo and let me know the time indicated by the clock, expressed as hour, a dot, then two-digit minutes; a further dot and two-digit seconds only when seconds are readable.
10.26
